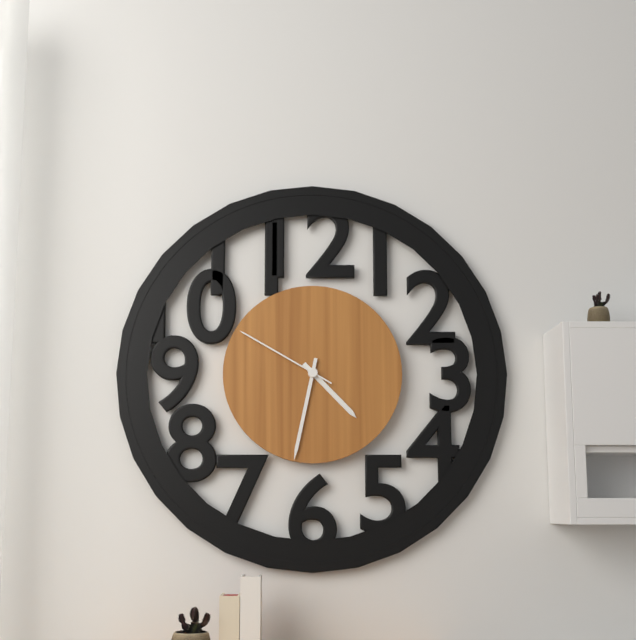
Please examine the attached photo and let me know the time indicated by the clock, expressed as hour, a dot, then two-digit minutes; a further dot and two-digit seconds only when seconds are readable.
4.32.50
